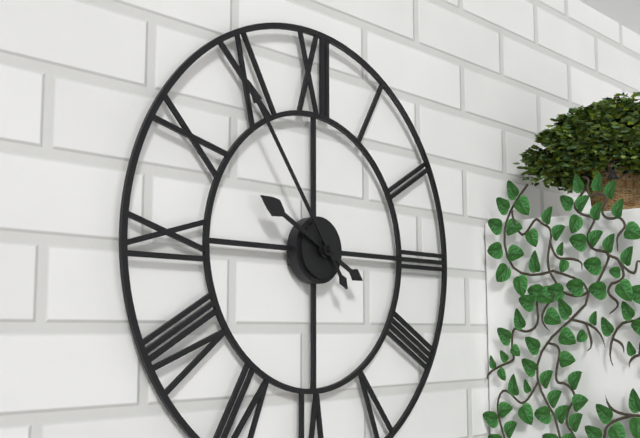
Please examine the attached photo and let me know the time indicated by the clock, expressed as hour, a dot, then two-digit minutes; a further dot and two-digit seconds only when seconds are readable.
9.54
